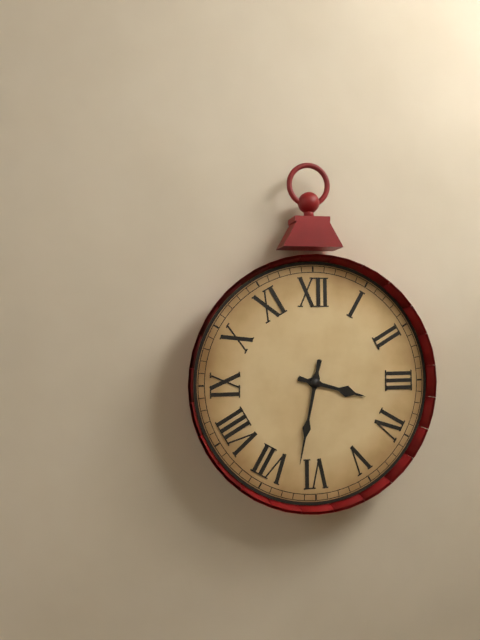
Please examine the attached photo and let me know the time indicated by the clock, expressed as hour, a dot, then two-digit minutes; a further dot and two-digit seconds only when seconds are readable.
3.32
